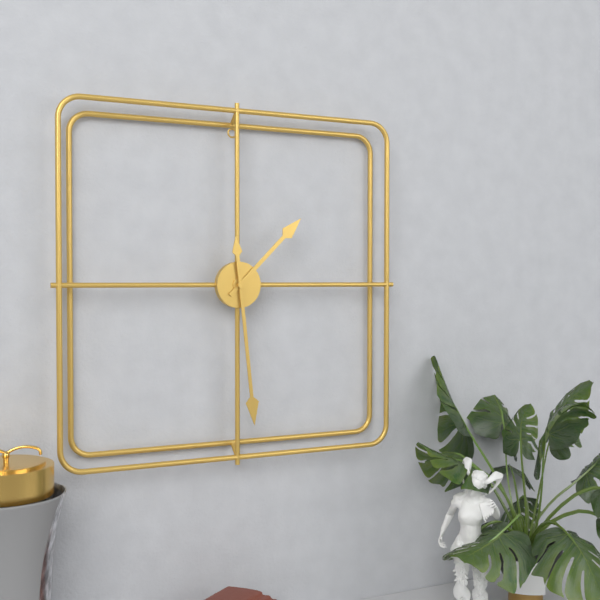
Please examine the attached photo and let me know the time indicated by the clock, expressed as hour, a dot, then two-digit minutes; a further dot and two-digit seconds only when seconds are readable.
1.29
